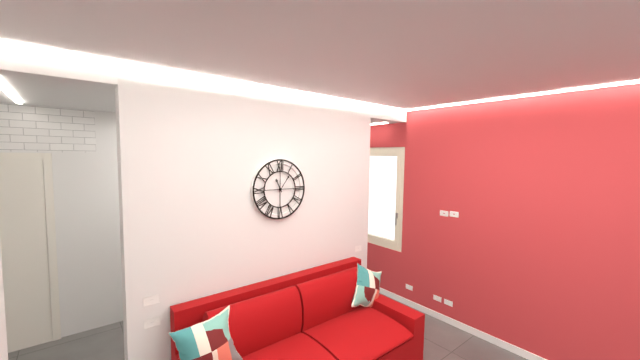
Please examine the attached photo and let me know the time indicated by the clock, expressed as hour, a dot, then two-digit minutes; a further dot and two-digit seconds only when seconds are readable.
11.06
